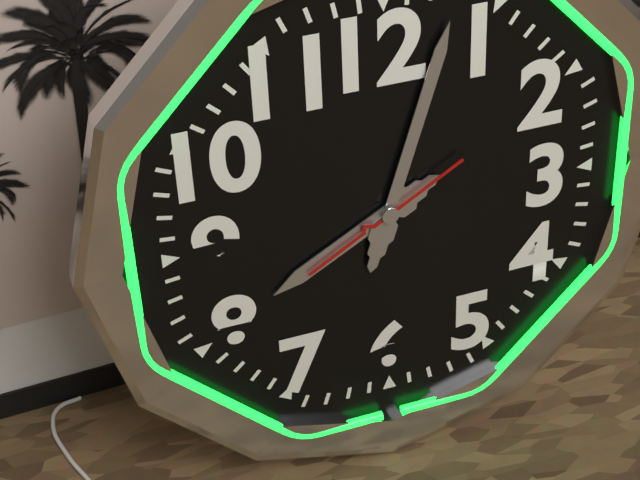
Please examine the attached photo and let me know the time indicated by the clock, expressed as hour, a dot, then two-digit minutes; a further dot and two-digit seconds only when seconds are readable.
8.03.40
